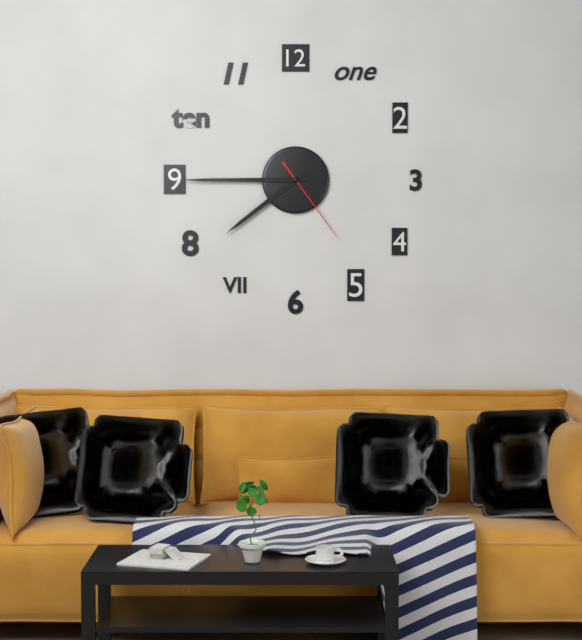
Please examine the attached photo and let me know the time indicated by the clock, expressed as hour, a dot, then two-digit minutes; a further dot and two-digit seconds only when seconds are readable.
7.45.24
